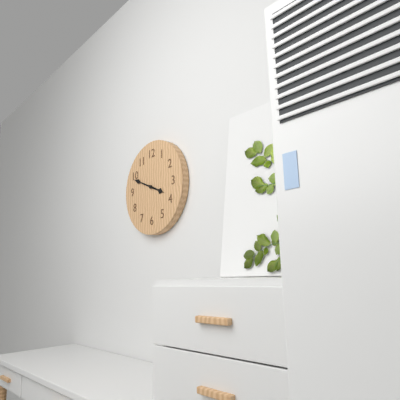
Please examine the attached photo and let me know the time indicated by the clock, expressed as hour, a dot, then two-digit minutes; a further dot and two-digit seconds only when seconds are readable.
3.49
